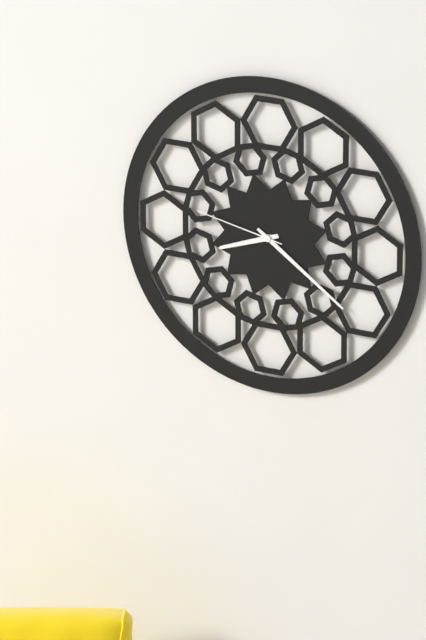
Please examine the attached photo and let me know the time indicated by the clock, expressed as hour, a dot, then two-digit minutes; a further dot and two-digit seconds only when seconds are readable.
8.21.47
